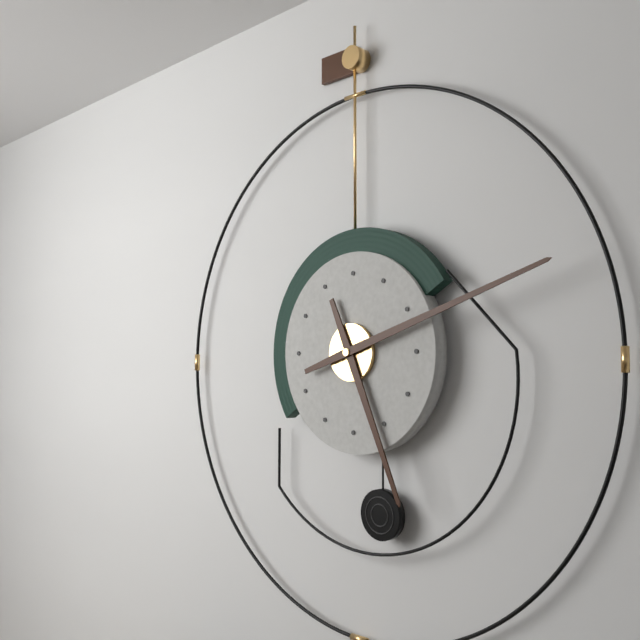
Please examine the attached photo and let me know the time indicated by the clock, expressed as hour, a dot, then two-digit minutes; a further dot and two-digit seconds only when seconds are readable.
5.12
